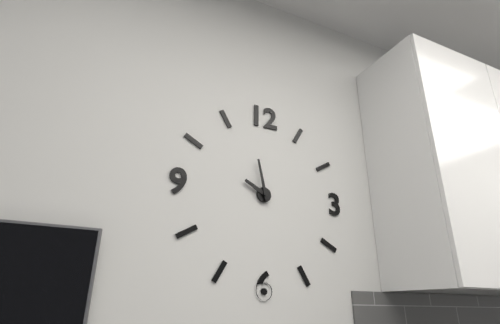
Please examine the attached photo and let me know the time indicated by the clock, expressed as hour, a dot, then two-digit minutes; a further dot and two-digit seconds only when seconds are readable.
9.58
